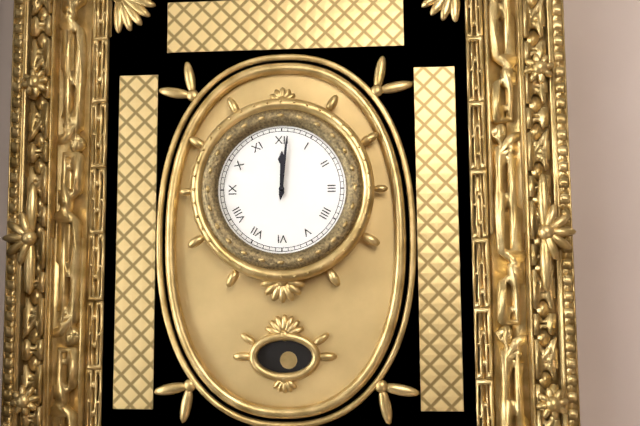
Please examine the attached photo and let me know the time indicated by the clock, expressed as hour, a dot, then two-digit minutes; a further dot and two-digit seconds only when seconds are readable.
12.01
